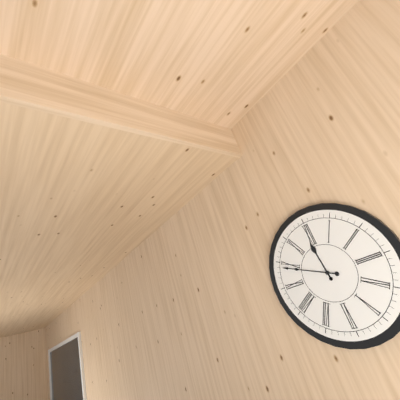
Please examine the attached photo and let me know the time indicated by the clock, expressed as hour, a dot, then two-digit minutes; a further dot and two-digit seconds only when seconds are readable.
11.49
